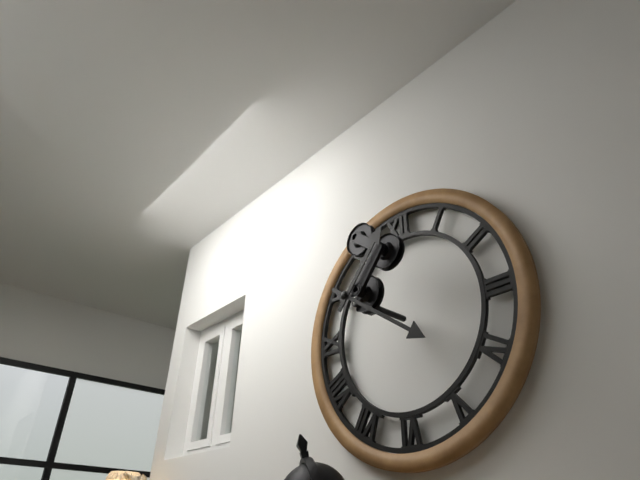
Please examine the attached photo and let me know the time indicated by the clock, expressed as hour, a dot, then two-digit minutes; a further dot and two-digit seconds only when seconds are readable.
1.21
